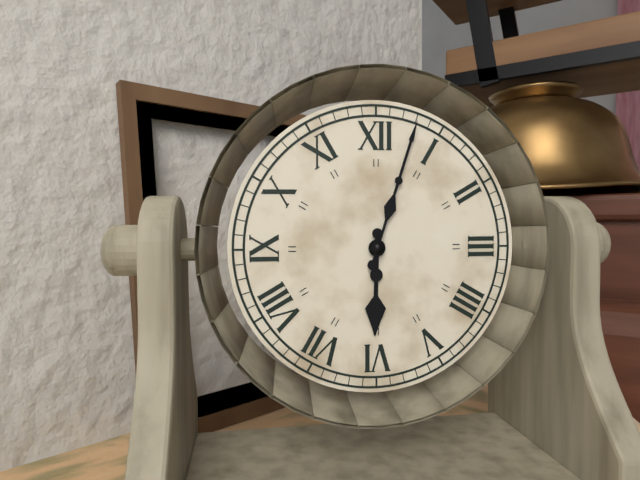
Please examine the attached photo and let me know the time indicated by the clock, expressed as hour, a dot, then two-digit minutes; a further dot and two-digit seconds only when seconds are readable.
6.03
